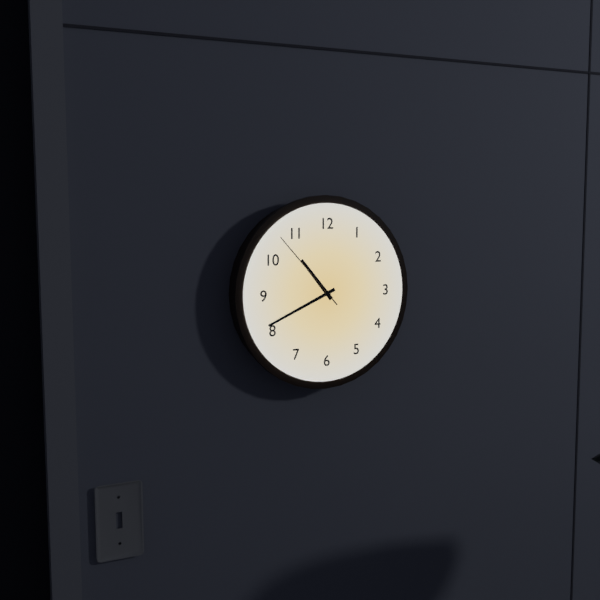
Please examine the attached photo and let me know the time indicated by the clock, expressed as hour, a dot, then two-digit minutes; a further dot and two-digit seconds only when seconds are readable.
10.41.53
